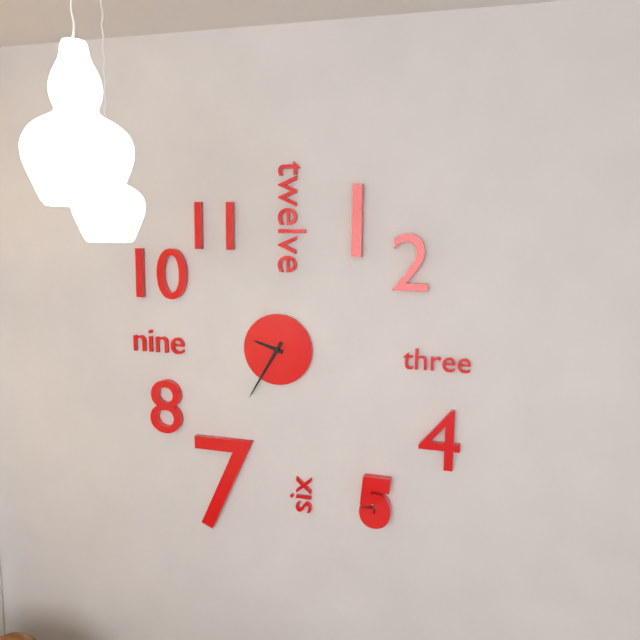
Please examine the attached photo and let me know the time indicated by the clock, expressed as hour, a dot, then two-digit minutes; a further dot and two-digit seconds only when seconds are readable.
9.35
